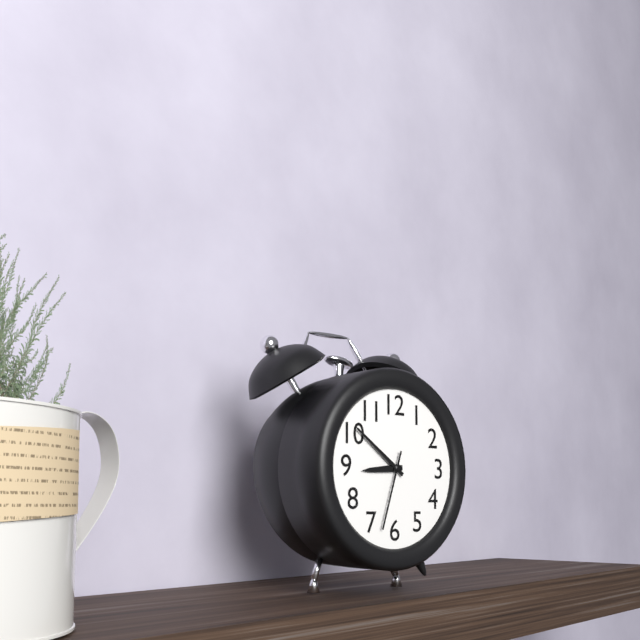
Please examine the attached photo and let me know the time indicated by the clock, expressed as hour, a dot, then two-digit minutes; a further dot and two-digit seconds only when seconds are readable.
8.51.33
